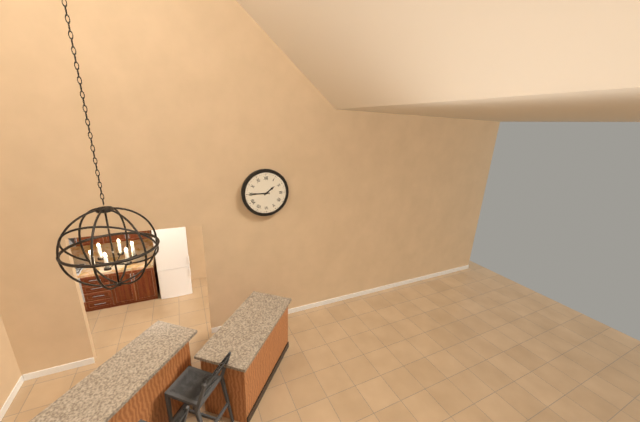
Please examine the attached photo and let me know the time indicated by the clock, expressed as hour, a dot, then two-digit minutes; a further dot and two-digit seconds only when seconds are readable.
1.45
